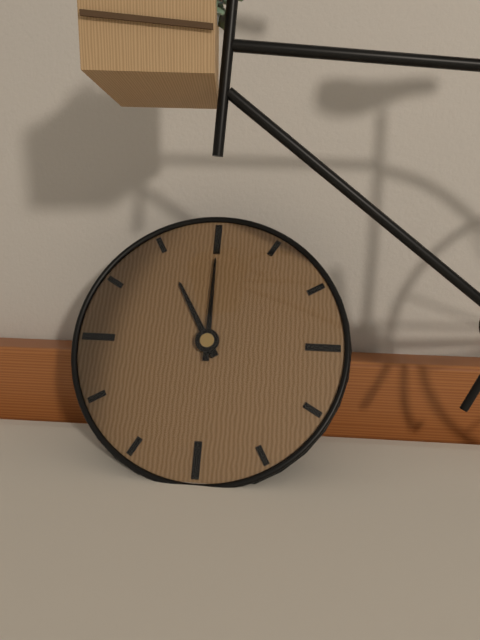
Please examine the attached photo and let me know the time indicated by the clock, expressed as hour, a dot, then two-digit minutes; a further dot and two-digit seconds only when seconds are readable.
11.00
